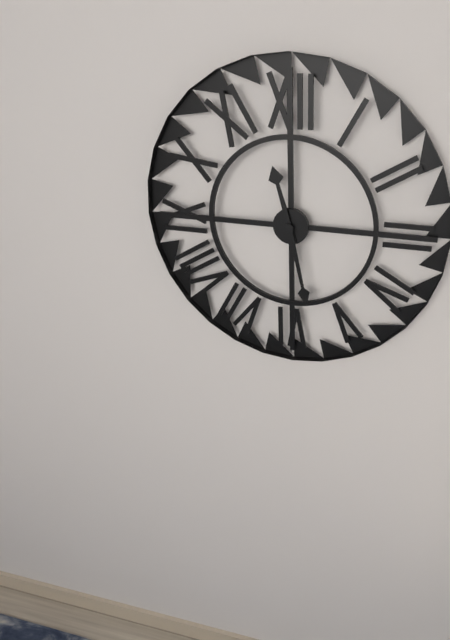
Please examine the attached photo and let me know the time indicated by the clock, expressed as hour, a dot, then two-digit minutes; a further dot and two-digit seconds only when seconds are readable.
11.28
